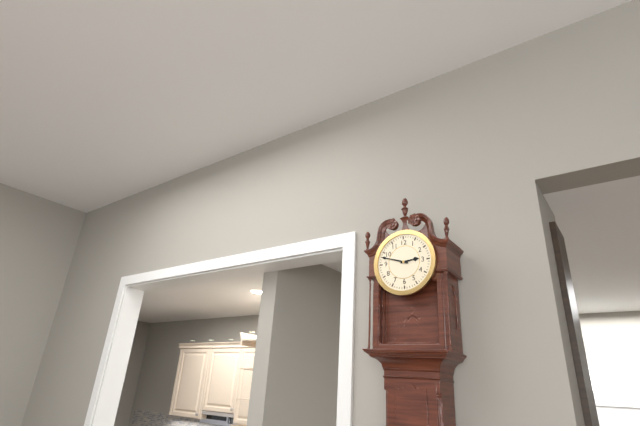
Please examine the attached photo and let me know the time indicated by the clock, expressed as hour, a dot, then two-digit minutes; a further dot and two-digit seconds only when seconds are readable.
2.48
